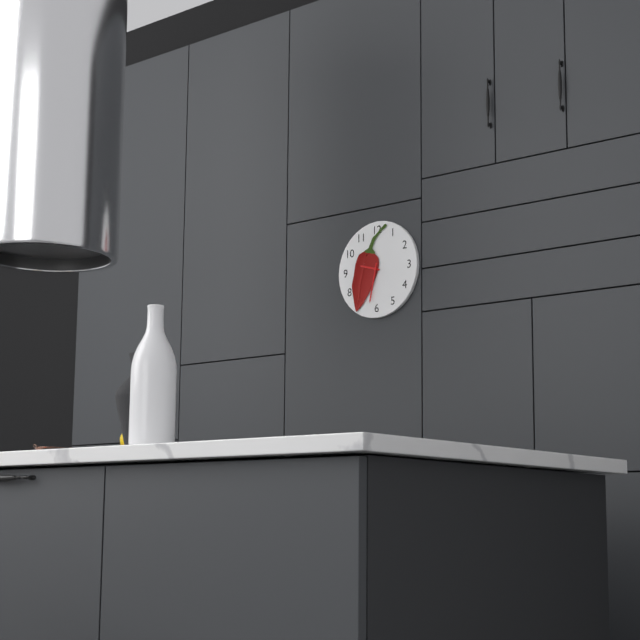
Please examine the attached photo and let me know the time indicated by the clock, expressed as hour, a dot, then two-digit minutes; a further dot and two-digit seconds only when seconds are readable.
9.32
